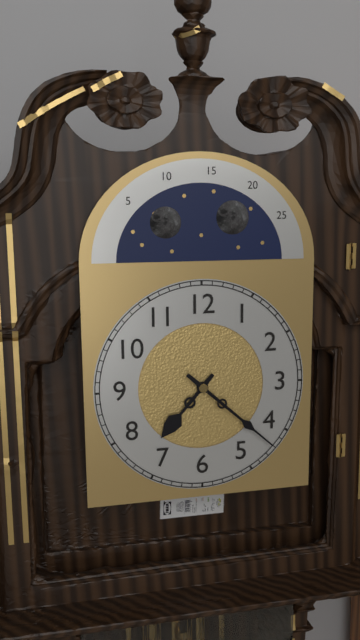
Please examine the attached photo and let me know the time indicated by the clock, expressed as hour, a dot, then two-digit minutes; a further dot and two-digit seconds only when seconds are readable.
7.22
